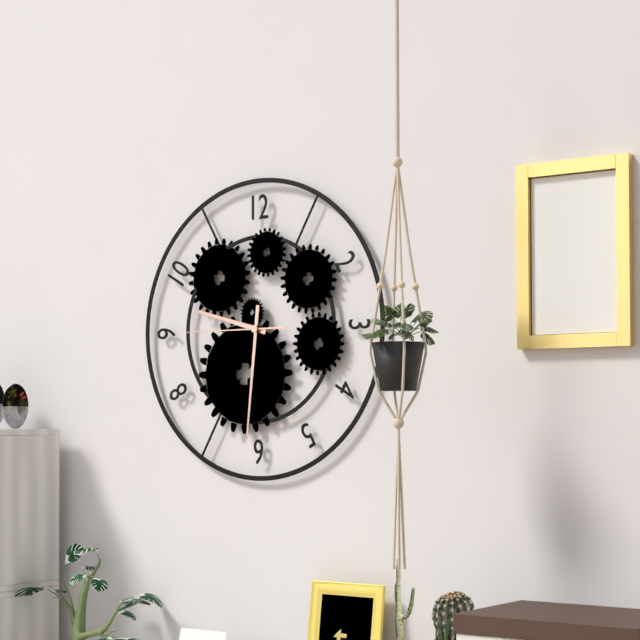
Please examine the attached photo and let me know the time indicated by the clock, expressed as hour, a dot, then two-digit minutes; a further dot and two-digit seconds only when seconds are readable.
9.31.45
